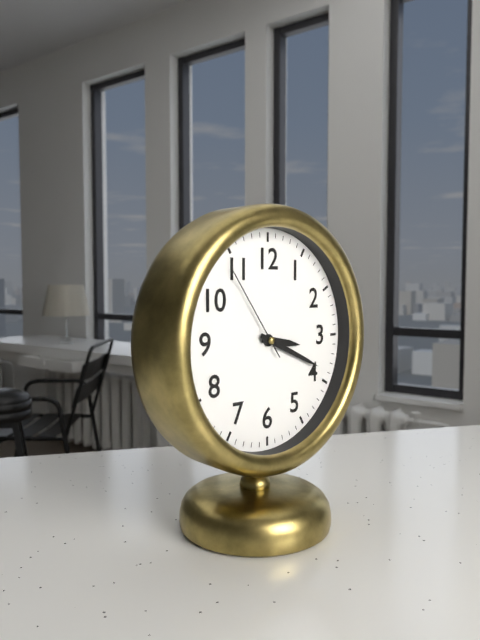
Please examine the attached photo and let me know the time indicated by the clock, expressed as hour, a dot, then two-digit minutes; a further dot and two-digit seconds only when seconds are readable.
3.19.54
